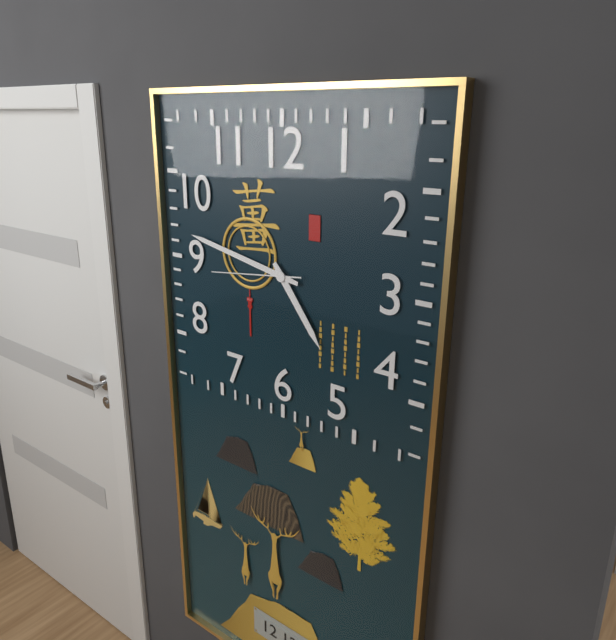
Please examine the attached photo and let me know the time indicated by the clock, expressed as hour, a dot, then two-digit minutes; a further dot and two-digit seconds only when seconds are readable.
4.47.44
